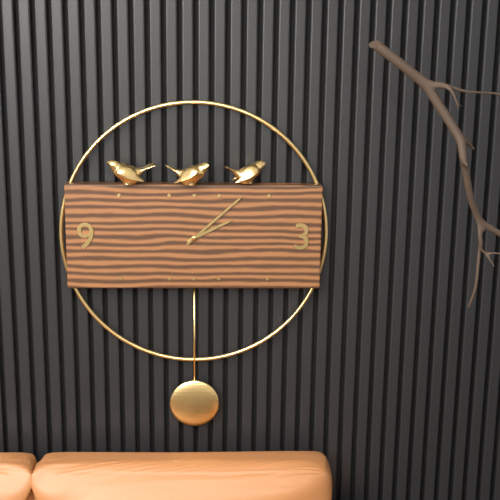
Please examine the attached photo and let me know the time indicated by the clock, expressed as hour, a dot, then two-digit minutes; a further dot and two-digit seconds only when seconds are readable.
2.08
